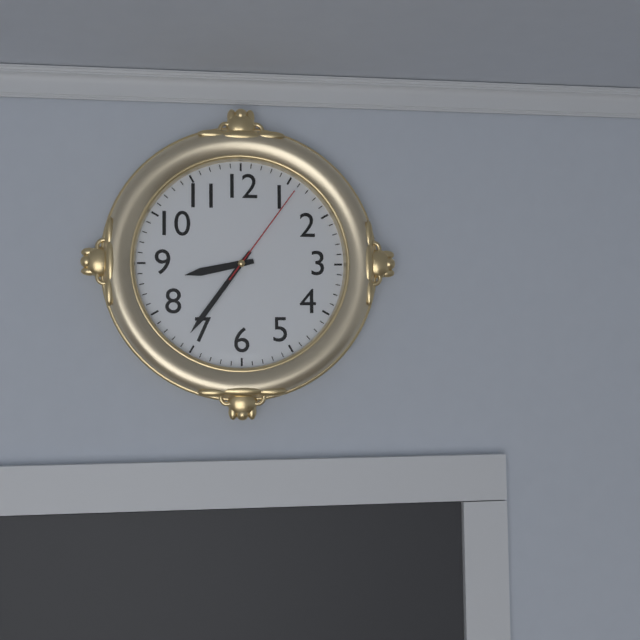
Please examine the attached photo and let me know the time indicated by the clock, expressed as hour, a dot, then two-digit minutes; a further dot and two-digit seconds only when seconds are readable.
8.36.06
